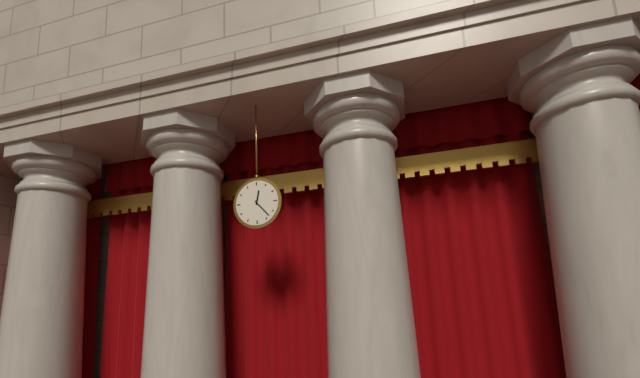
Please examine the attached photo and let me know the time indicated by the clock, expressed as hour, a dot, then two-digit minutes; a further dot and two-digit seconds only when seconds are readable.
12.23
